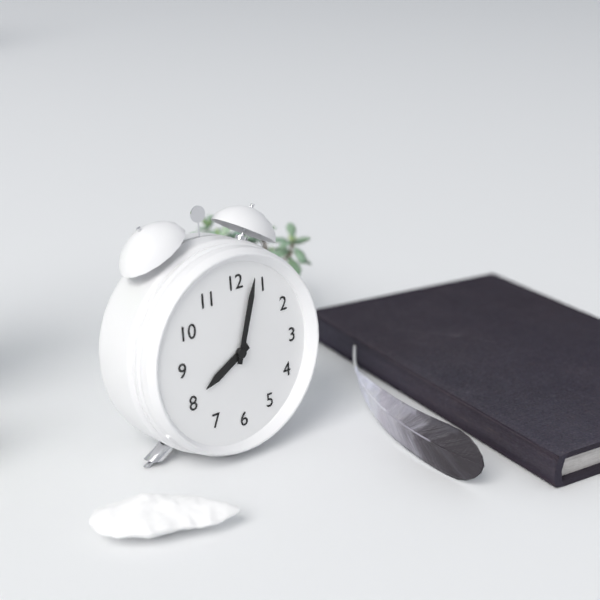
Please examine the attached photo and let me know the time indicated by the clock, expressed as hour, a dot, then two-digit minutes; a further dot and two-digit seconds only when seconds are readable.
8.03
